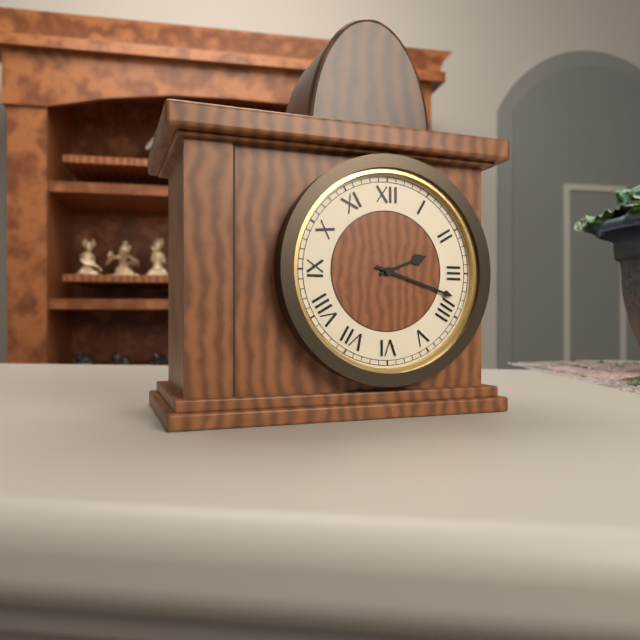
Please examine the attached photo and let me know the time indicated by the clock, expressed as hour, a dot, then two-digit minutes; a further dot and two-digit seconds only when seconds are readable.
2.18
